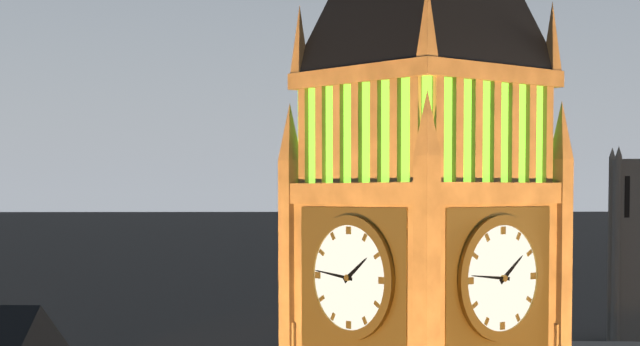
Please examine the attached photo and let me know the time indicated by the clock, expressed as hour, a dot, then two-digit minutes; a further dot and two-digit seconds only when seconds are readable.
1.46
